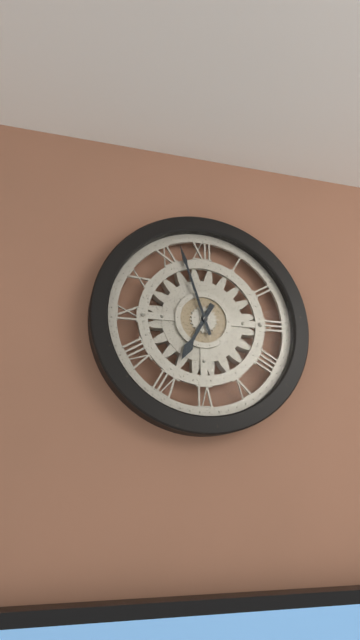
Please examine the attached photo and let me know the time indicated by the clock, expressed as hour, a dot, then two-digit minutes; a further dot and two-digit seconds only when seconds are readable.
6.57
